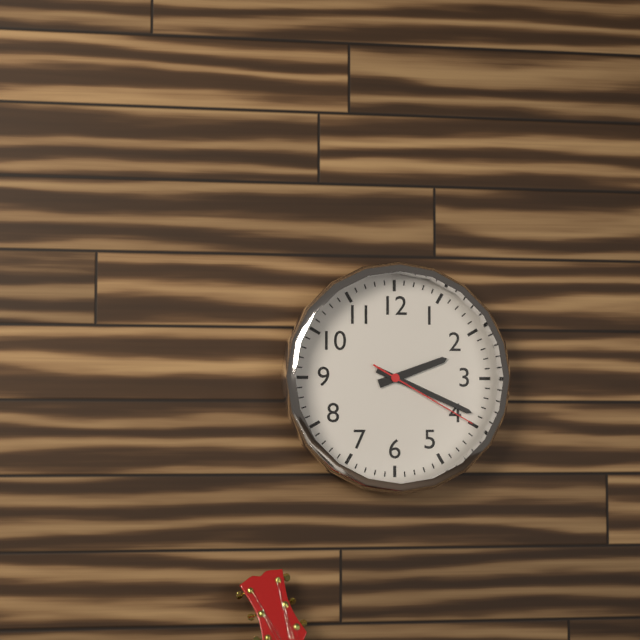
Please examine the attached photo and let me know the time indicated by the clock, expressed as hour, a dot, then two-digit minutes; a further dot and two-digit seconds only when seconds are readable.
2.19.20
